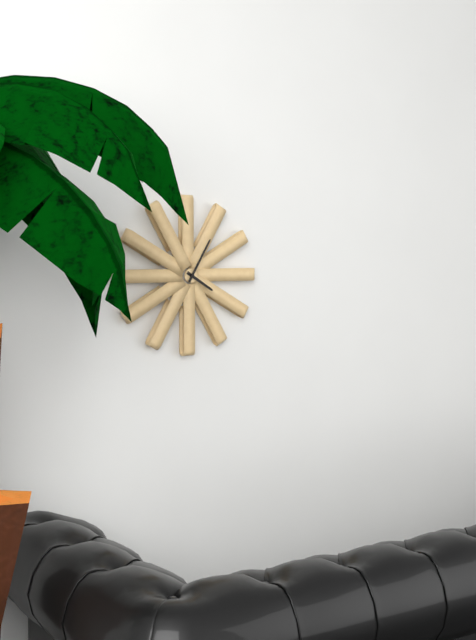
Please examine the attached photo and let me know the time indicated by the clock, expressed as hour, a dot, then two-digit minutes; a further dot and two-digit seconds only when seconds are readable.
4.05
